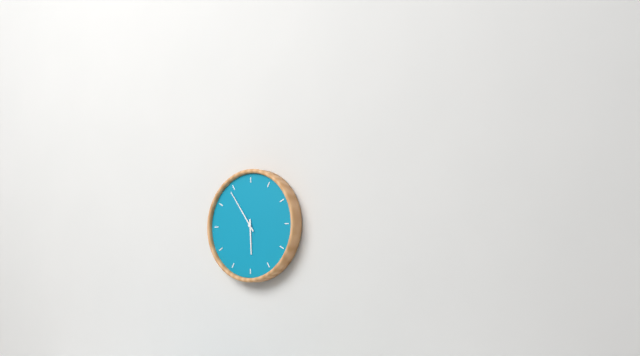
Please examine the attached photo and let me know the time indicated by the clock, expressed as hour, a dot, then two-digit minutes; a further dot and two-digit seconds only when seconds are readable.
5.54
